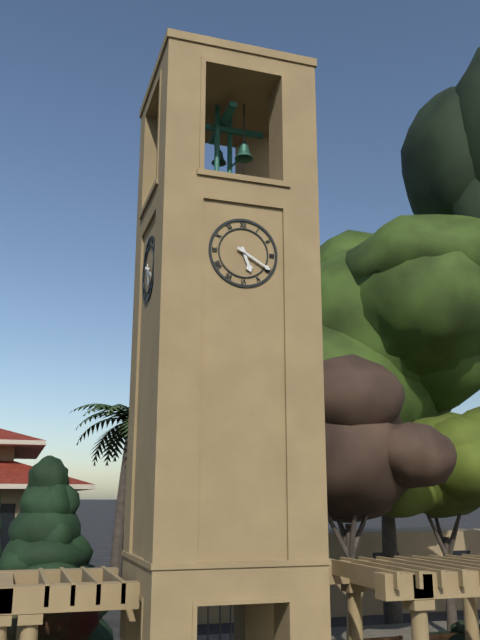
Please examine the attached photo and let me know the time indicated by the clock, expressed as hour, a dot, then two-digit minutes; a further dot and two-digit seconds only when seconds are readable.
5.20
